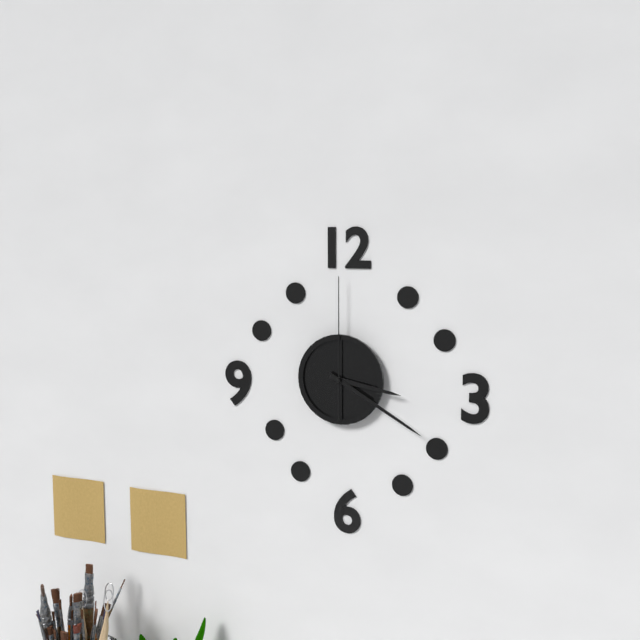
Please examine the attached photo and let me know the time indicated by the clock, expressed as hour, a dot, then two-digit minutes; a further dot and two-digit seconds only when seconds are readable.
3.20.00
